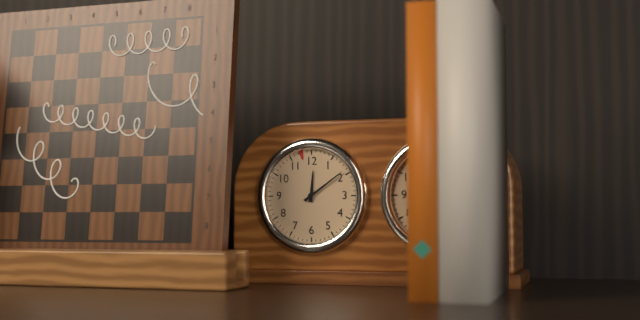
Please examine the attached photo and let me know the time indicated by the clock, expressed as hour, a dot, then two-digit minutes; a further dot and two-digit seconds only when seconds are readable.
12.09
